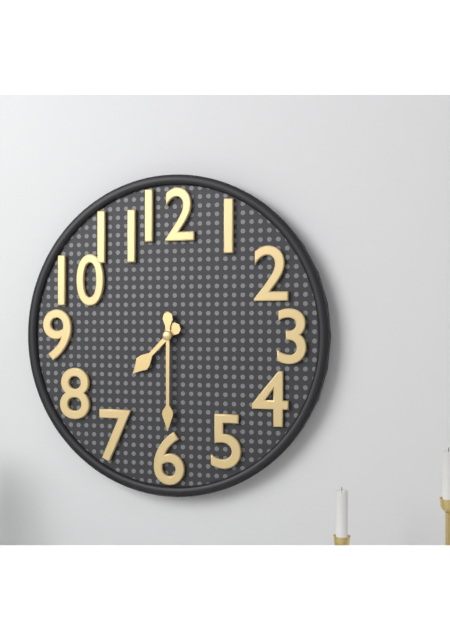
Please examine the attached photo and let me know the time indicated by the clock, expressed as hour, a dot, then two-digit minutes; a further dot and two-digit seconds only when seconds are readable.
7.30
